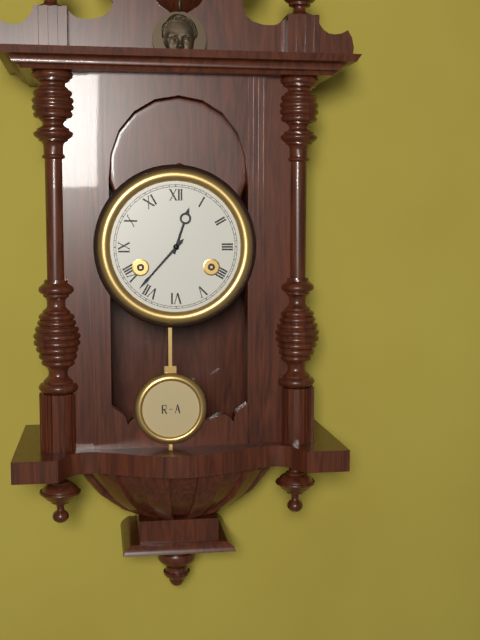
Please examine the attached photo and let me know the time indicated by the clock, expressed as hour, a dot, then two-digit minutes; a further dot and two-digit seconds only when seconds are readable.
12.37
